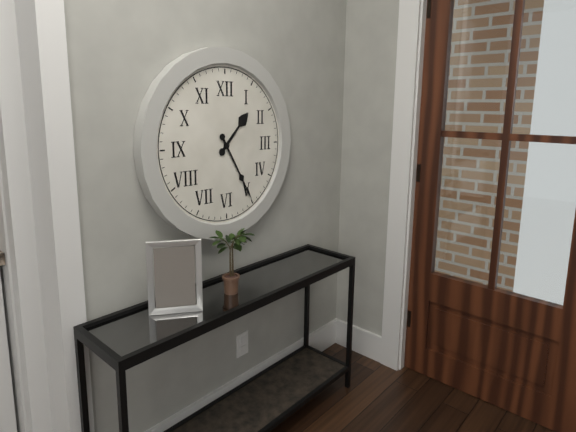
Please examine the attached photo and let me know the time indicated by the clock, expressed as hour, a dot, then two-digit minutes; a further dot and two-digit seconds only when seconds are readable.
1.25
